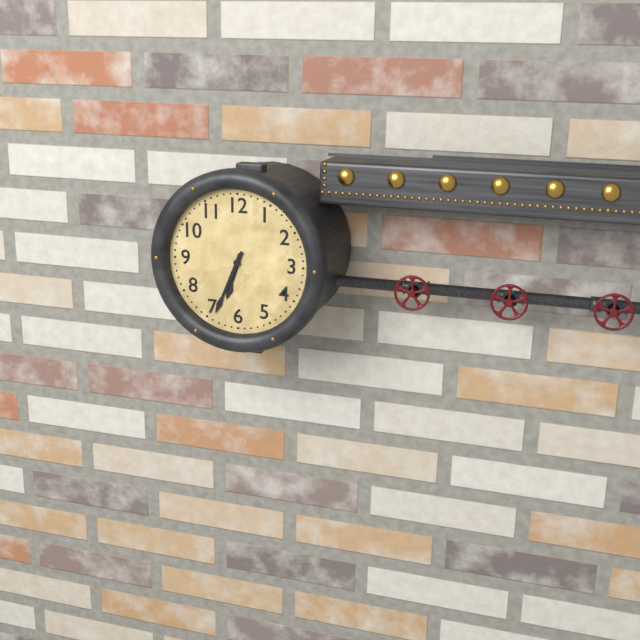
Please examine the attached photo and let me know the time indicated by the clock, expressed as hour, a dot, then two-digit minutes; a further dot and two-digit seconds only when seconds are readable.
6.34
